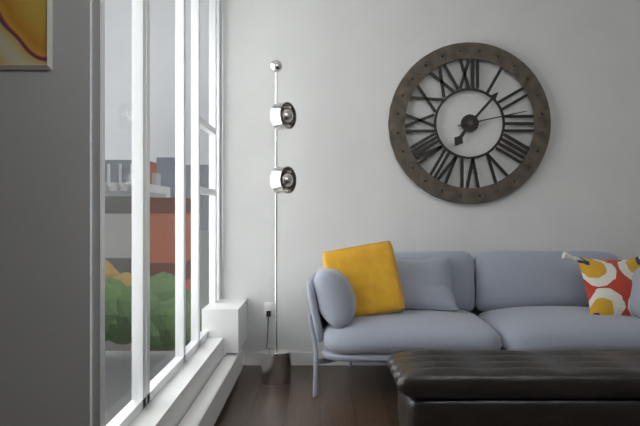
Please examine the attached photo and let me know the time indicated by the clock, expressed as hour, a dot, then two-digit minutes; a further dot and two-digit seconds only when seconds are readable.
7.07.13
